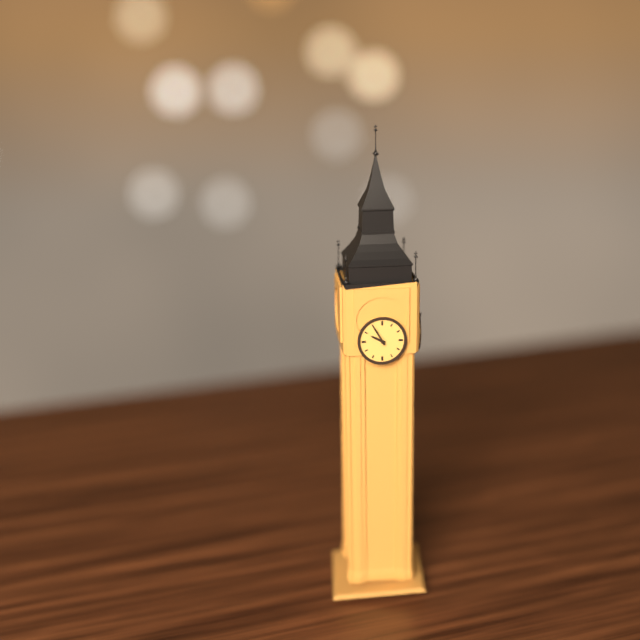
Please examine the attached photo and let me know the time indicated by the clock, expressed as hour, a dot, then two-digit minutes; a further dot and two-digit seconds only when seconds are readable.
9.55
